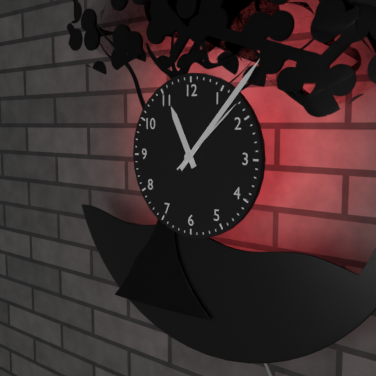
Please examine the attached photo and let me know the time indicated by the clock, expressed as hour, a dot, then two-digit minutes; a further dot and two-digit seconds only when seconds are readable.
11.07.08
